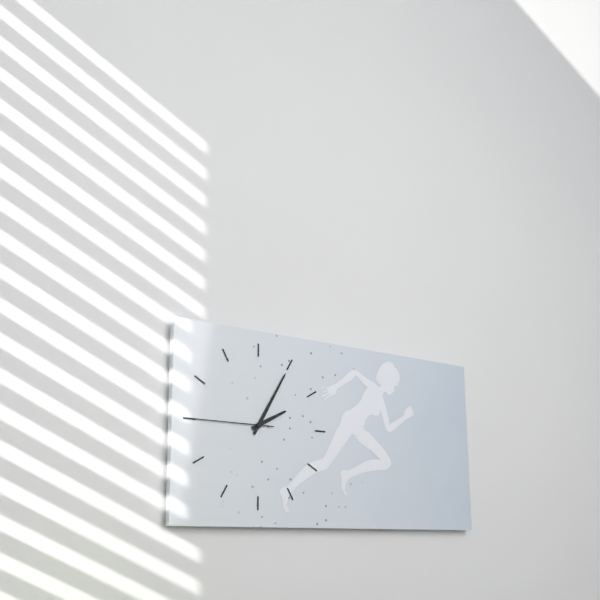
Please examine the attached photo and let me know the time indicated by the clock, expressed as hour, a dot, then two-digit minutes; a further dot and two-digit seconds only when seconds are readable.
2.05.45
